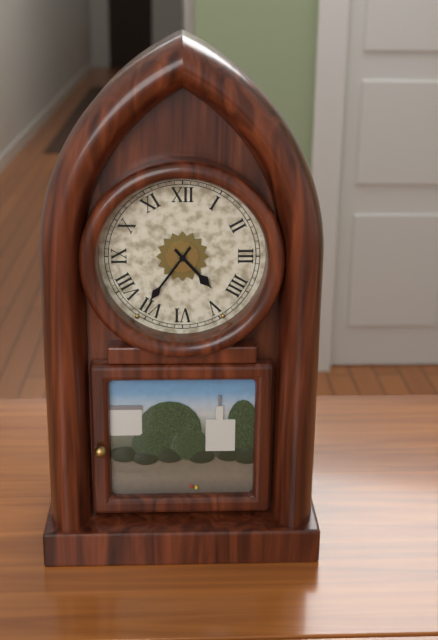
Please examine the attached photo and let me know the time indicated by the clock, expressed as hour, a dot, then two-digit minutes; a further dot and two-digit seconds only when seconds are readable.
4.36
